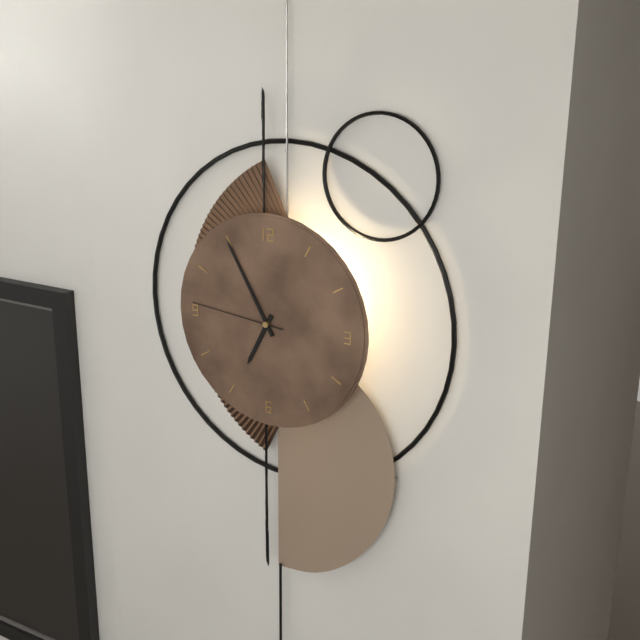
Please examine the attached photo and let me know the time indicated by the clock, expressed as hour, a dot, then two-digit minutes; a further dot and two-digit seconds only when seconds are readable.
6.55.46
